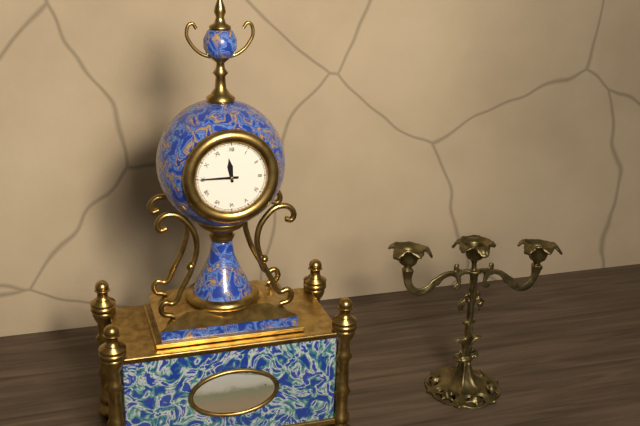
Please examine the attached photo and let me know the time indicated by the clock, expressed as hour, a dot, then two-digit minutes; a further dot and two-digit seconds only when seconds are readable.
11.45
